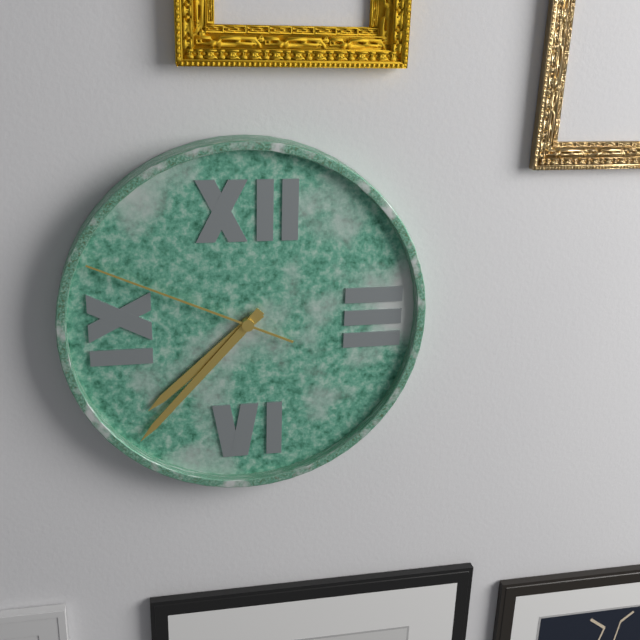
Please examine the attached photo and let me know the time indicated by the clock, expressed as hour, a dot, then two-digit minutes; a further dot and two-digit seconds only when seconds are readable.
7.37.49
